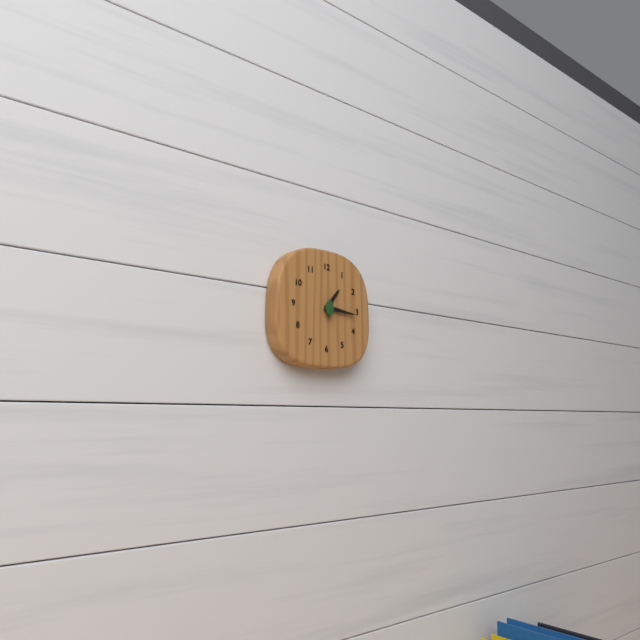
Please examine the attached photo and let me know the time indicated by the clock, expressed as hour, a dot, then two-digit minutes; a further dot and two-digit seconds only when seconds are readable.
1.16
